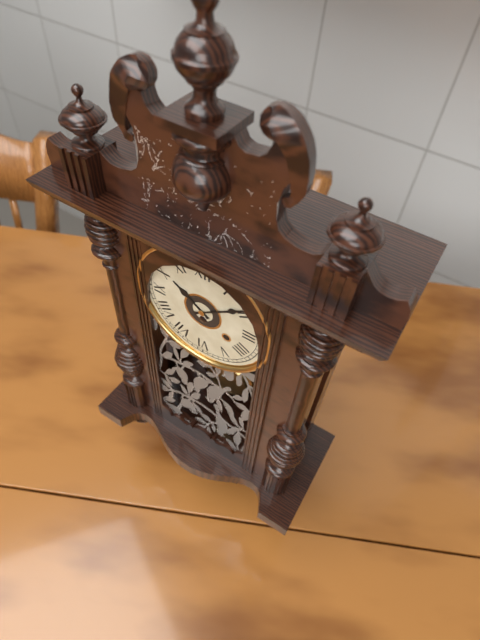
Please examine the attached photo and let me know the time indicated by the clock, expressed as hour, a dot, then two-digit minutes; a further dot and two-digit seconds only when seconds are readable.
10.09
